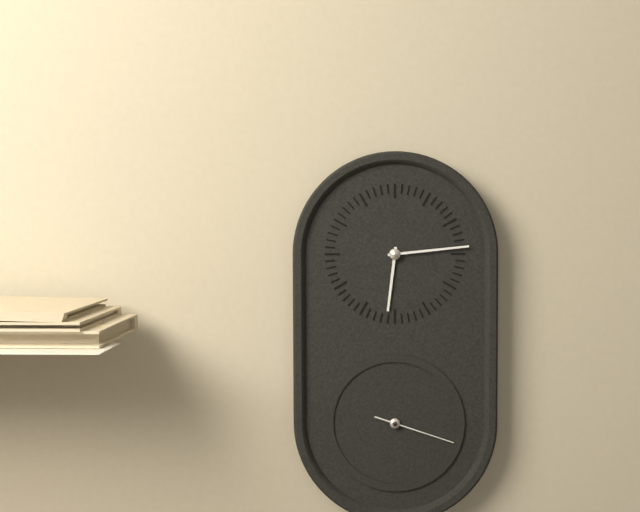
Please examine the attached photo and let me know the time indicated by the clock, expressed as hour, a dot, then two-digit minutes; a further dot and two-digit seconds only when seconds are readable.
6.14.18
